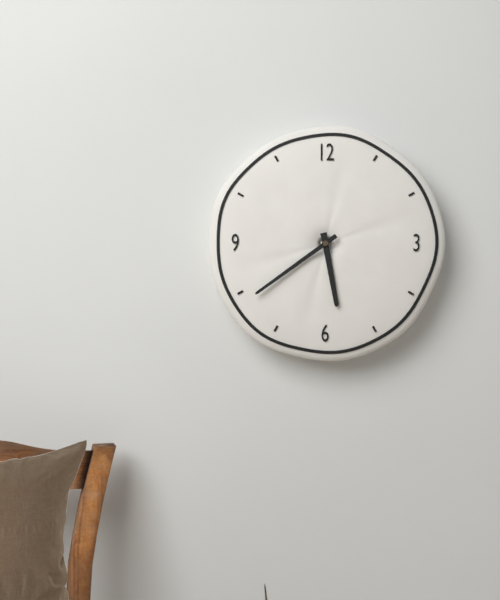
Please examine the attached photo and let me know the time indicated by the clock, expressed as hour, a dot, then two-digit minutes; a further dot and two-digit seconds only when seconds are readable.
5.39
